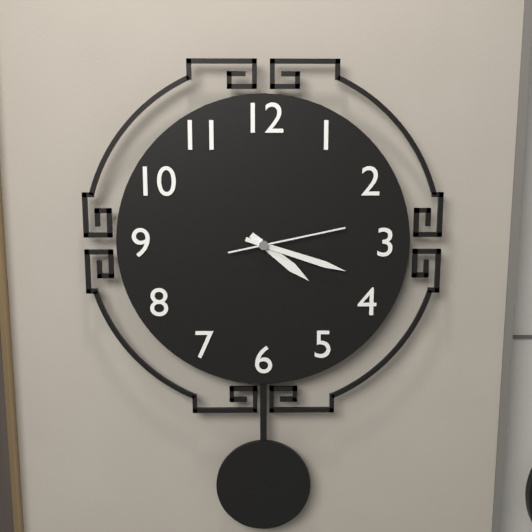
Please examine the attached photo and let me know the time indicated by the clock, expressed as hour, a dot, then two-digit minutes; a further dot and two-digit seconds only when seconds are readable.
4.18.13
